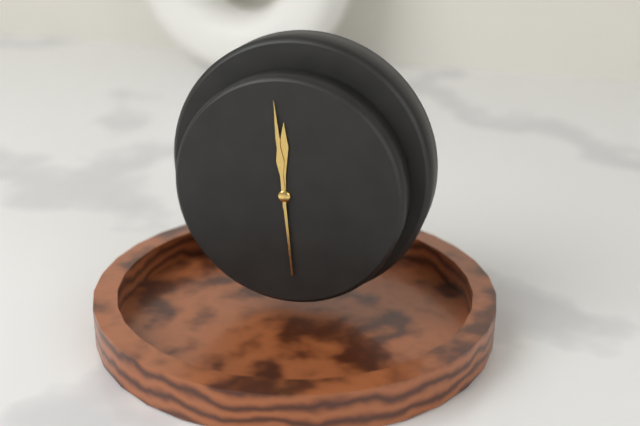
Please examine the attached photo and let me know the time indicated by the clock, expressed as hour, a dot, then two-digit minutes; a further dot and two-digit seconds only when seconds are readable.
11.59
